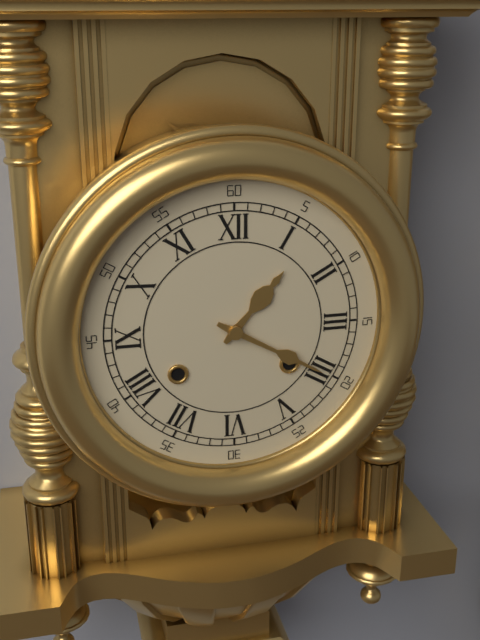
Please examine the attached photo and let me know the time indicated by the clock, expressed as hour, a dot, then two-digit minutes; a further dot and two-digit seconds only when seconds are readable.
1.20
